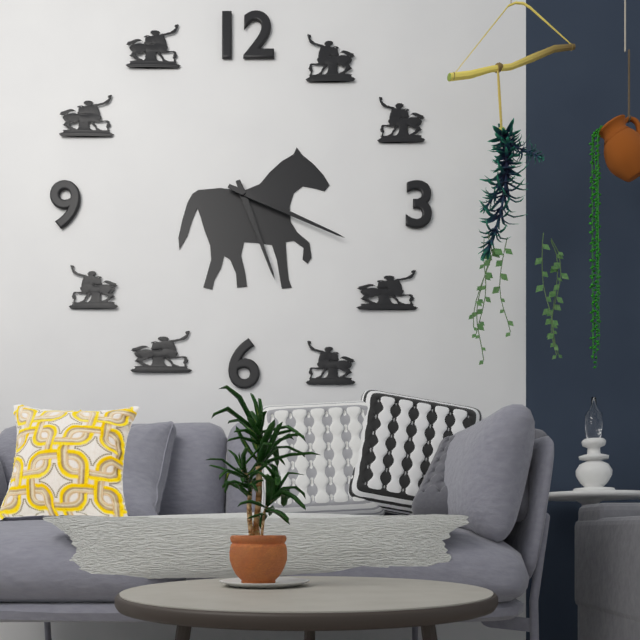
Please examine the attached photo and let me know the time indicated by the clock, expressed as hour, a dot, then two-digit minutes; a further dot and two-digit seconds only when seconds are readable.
5.19
